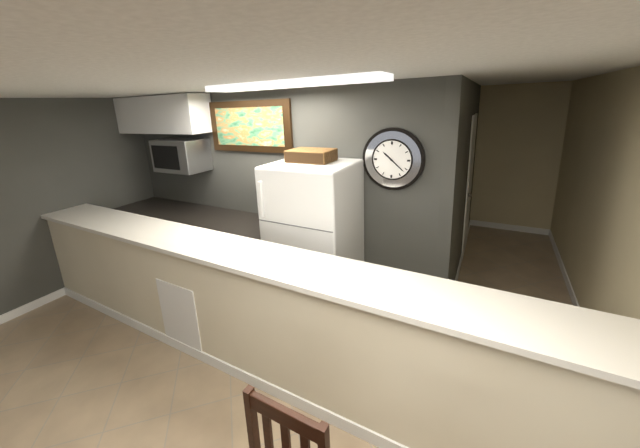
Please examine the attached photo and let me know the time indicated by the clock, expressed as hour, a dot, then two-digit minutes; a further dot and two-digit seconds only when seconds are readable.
10.22
